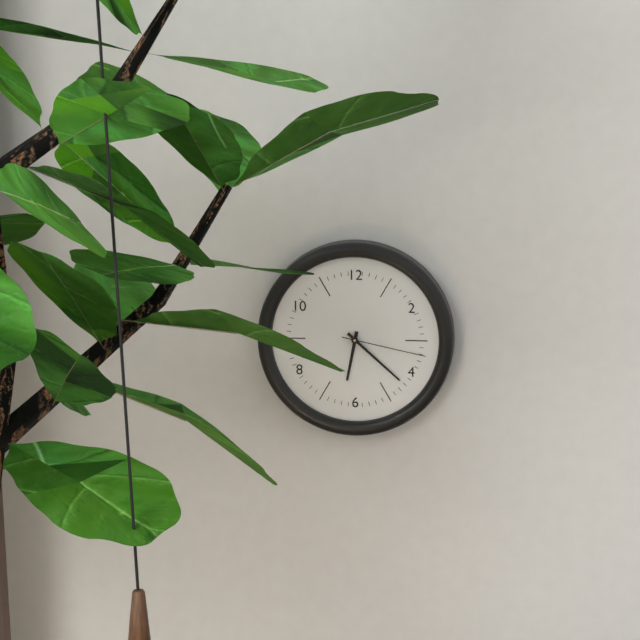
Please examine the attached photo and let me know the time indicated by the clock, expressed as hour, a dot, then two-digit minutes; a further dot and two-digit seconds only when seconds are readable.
6.22.17
